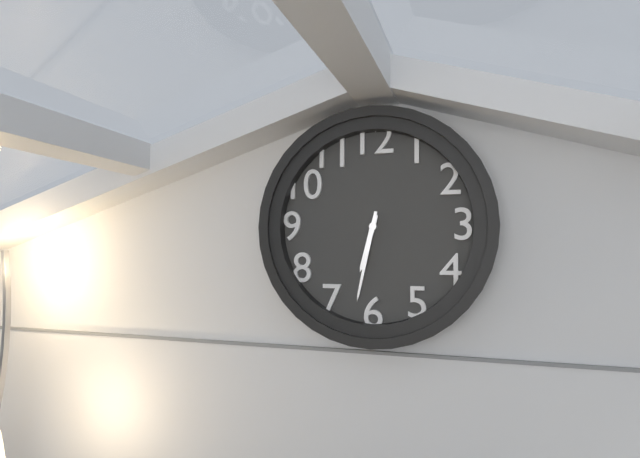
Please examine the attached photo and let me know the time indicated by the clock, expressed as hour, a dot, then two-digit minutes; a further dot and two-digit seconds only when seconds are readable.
6.32
